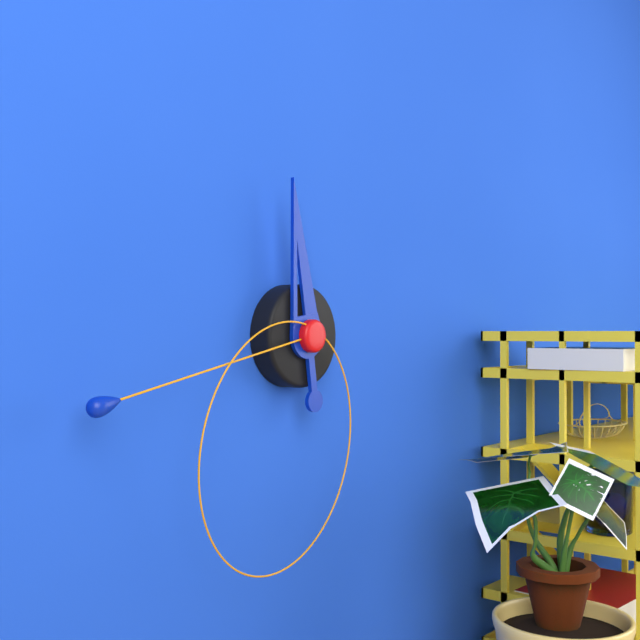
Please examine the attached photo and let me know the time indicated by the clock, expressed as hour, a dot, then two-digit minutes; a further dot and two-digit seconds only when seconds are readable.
11.43.34
